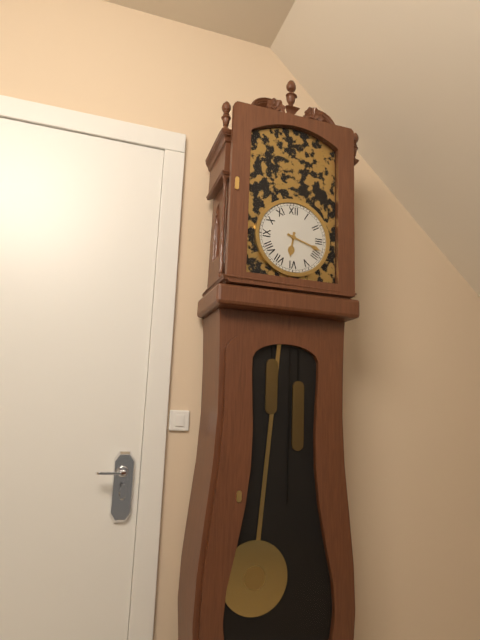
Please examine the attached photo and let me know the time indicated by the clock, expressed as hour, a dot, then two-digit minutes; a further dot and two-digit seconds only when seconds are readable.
6.18
